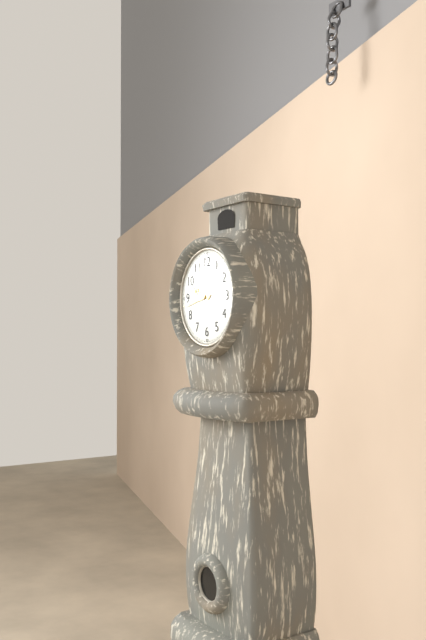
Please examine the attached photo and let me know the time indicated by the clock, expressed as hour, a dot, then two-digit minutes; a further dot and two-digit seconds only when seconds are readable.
9.43
